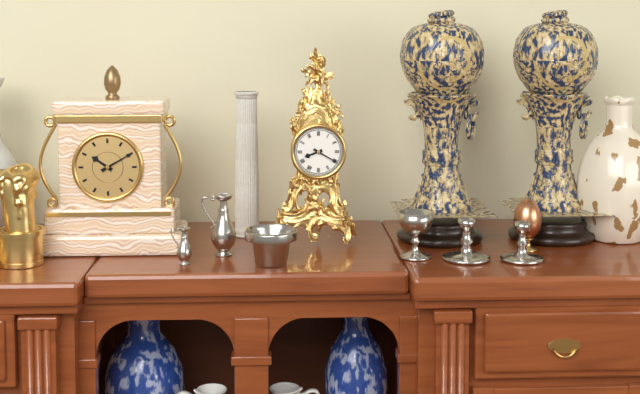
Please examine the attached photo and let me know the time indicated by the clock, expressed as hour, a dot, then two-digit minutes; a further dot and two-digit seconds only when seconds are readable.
8.20
